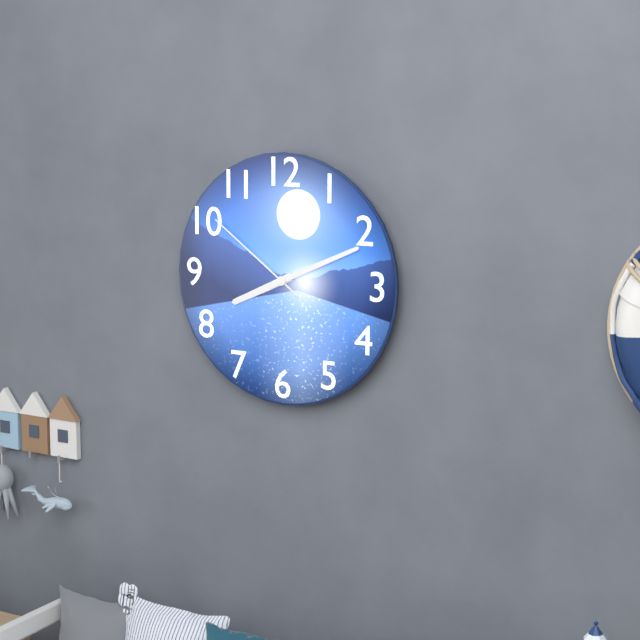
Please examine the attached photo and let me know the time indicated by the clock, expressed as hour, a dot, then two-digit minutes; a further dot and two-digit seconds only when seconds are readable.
8.11.51
